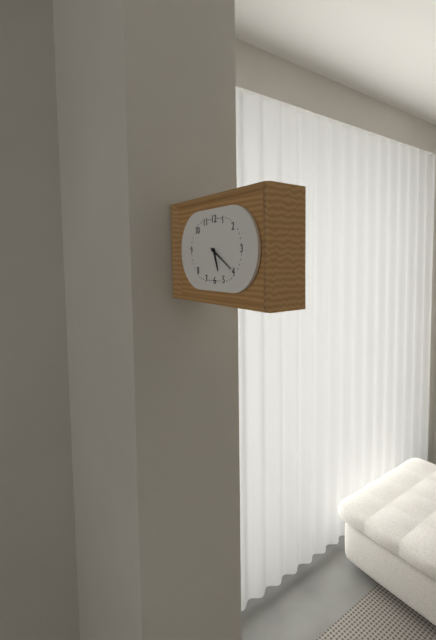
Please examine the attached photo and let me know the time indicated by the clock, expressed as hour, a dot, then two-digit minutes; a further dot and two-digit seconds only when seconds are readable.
5.20
